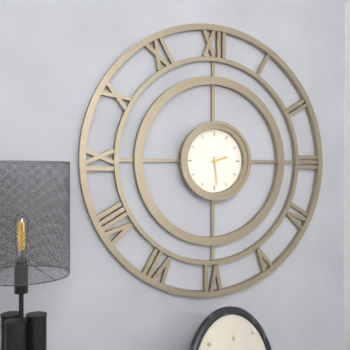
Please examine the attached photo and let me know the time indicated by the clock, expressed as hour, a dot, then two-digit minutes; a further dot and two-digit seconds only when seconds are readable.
2.29
